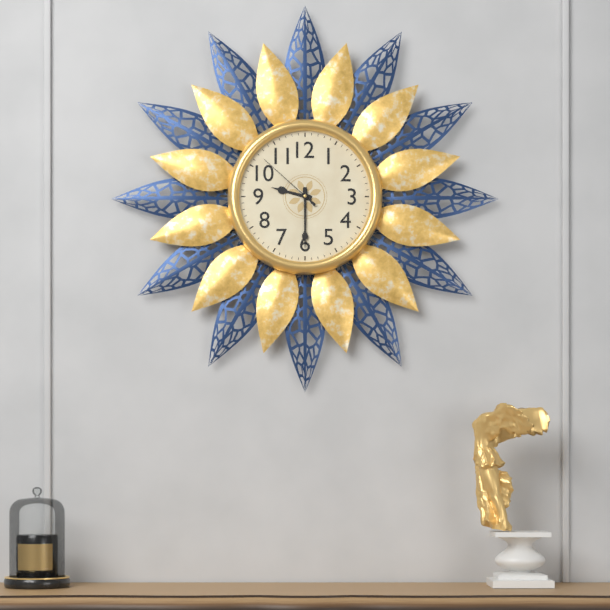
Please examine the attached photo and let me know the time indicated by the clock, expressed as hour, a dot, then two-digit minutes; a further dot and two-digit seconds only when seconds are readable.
9.30.52
